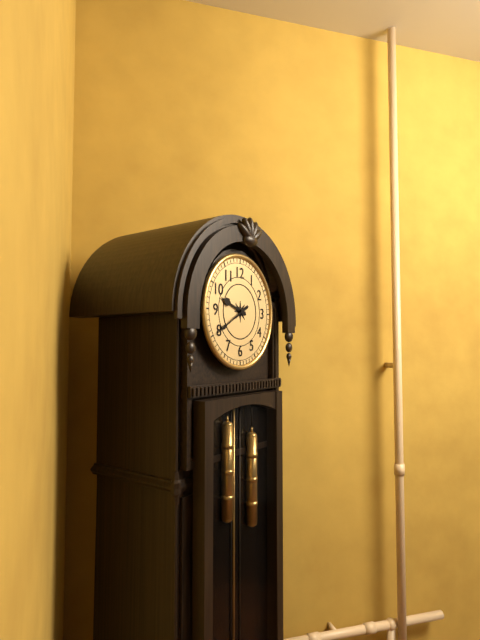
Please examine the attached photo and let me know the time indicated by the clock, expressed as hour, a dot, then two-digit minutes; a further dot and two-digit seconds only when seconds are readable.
9.40
